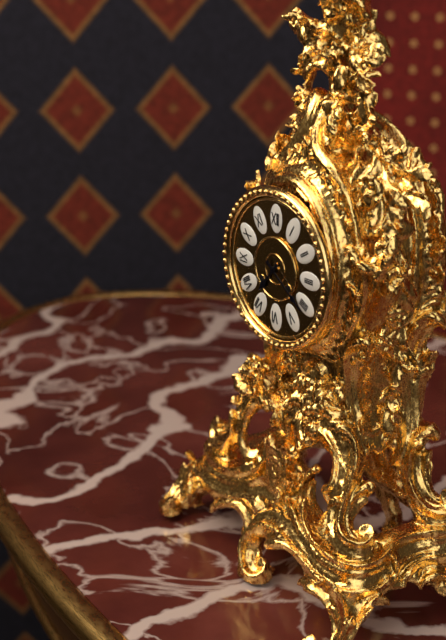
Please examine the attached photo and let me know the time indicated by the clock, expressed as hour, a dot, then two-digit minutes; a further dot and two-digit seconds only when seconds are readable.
7.21
